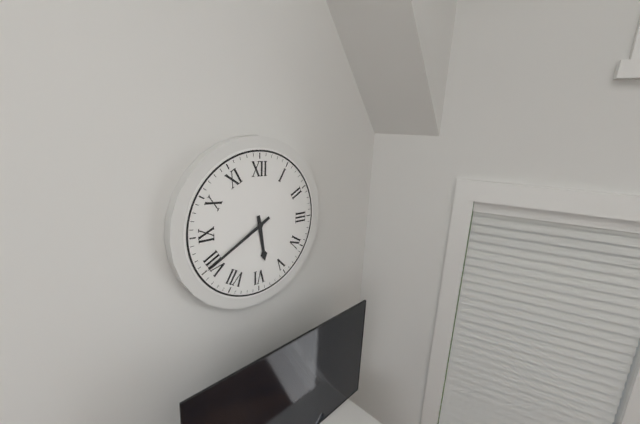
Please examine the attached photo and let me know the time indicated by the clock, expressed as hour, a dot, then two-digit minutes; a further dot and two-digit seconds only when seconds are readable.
5.40
